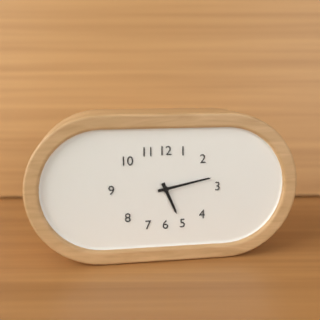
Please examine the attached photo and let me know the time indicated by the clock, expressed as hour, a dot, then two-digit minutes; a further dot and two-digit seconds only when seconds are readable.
5.13
